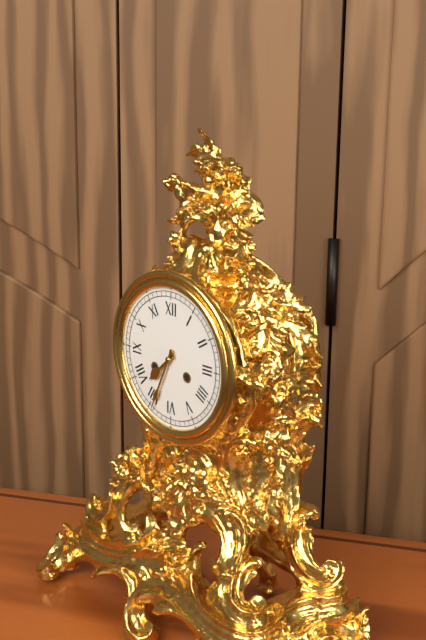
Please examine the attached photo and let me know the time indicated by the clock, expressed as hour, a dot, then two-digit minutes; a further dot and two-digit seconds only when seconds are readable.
7.34
